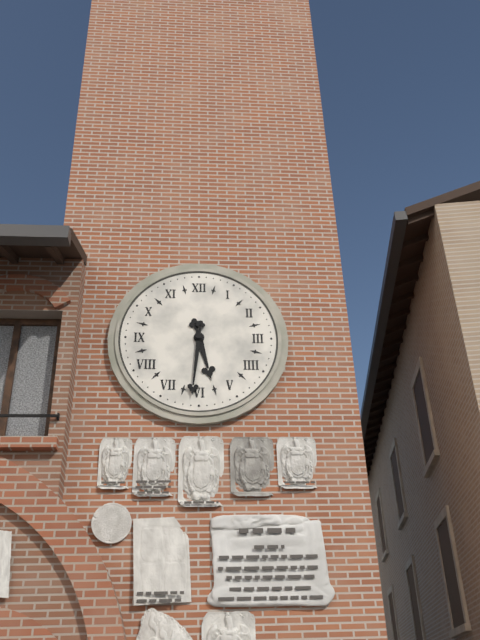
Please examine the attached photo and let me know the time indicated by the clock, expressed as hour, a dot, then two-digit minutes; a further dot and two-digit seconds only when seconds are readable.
5.31
